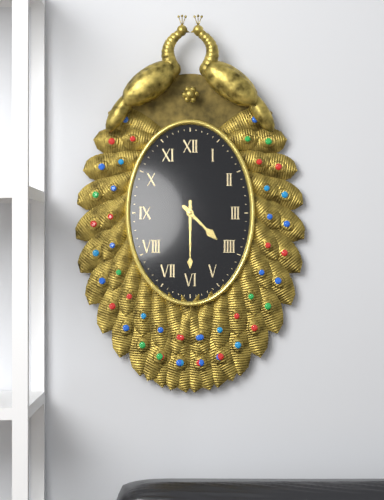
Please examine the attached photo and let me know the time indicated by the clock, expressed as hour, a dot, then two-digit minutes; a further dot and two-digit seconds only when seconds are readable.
4.30
